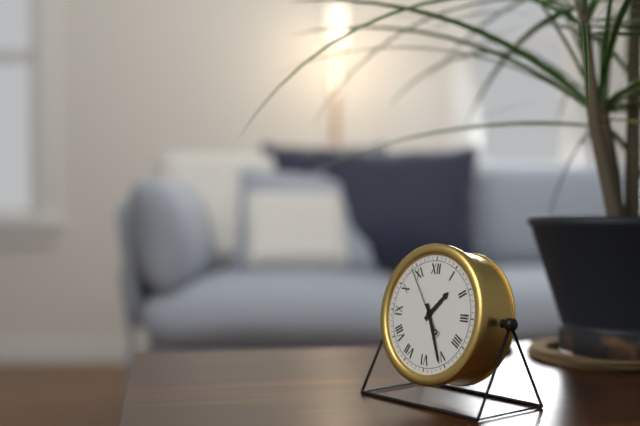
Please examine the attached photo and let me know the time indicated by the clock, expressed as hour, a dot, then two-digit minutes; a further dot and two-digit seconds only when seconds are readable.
1.26.54
